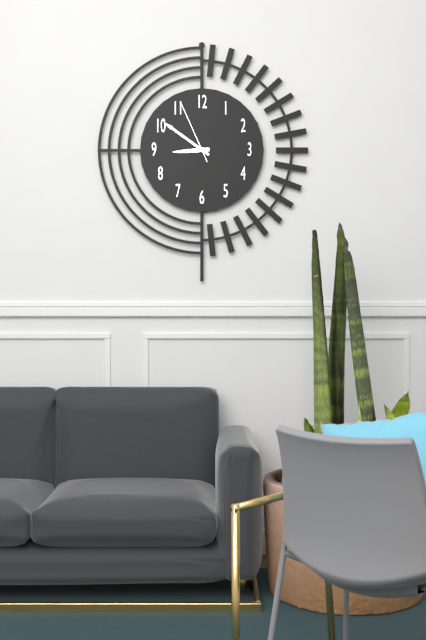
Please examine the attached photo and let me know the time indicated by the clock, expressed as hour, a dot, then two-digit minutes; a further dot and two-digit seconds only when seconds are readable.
8.51.56
